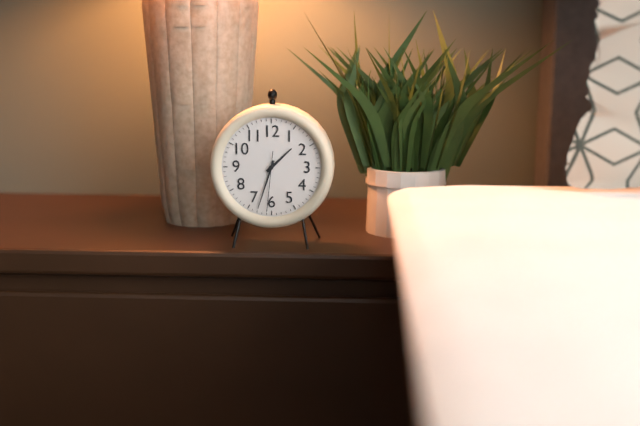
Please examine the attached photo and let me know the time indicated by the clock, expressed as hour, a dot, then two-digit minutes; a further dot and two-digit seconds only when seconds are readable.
1.33.31
